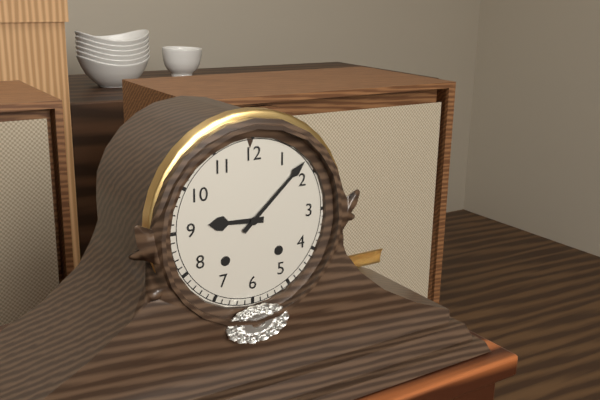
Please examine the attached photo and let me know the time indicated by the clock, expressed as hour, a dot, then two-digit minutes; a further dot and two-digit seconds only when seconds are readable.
9.08
